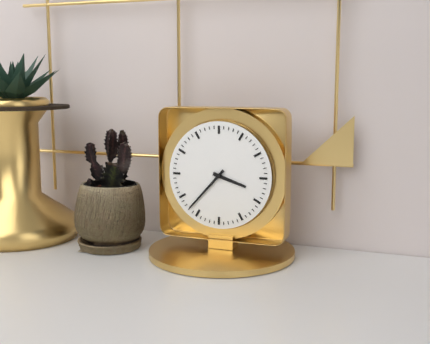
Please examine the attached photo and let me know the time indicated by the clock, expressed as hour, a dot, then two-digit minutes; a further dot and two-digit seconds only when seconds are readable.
3.37
